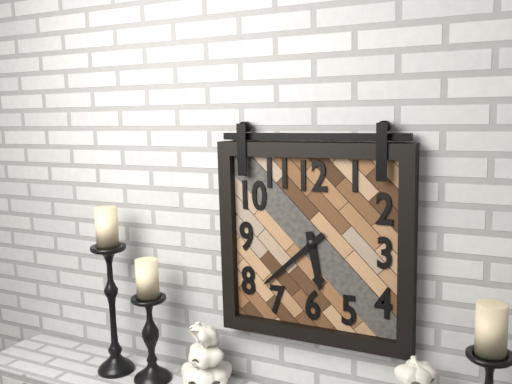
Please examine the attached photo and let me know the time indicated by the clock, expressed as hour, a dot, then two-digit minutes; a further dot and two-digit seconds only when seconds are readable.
5.38
